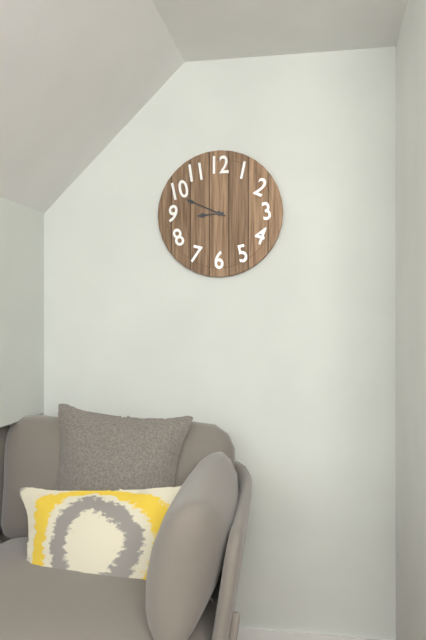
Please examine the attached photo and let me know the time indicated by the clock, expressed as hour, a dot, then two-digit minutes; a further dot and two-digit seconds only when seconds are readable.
8.49
